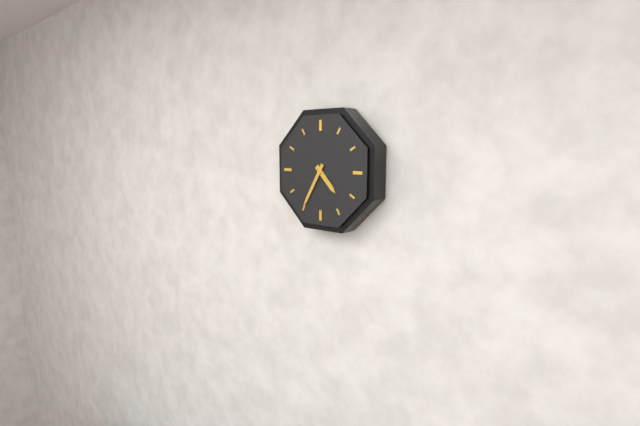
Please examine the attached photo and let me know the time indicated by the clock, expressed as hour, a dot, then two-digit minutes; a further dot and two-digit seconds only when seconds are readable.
4.35
